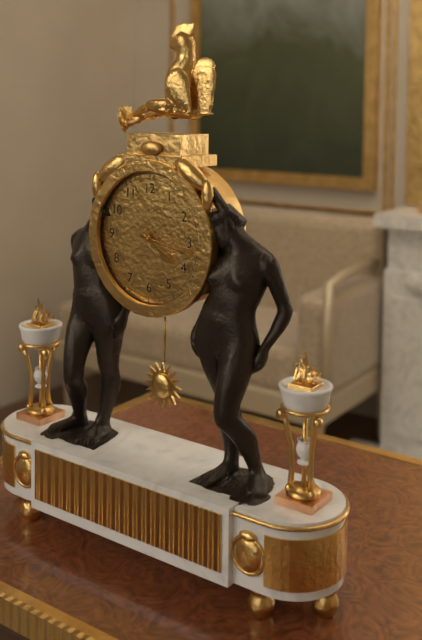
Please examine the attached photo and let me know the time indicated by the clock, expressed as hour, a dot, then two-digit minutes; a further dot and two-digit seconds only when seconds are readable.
4.17
